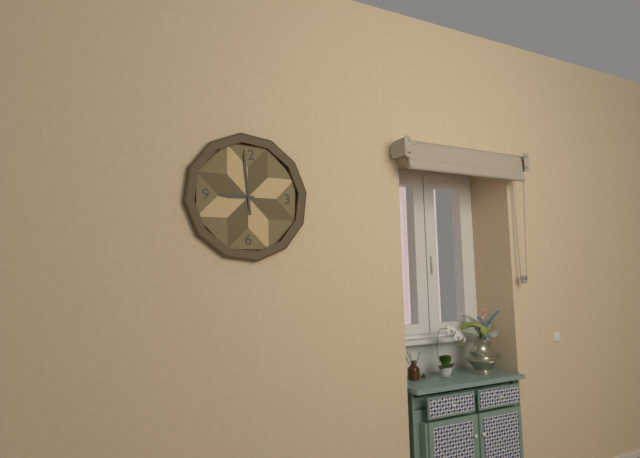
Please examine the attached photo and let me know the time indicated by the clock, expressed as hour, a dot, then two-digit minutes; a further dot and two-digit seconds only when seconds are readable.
8.59
